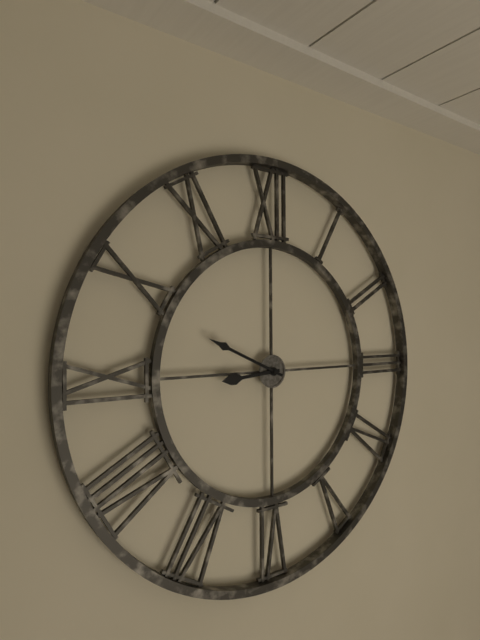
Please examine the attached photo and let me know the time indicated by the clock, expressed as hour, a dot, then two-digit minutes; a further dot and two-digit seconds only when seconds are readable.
8.49
